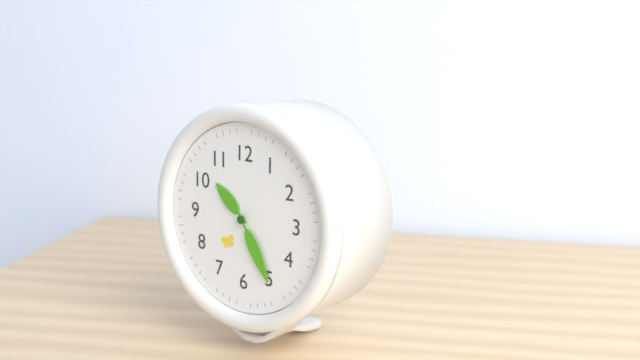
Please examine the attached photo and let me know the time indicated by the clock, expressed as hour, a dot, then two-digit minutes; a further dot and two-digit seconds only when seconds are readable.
10.25
